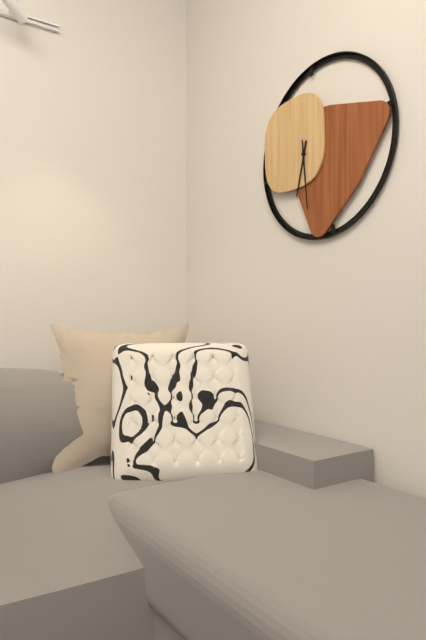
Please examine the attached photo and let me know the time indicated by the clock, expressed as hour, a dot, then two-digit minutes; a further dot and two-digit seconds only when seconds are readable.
6.29
